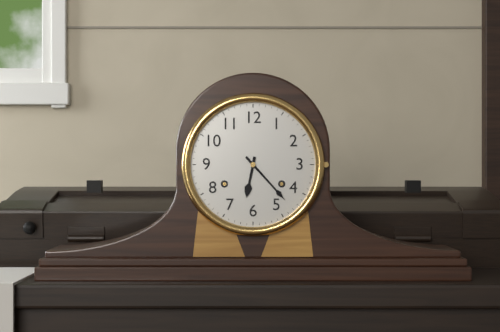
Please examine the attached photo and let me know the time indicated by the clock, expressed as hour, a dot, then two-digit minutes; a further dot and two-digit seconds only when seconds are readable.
6.23
